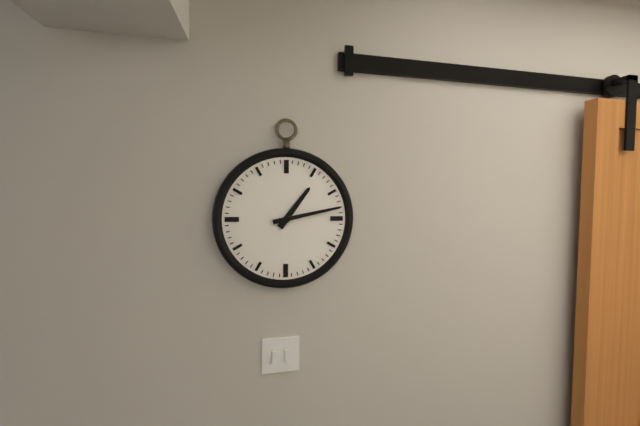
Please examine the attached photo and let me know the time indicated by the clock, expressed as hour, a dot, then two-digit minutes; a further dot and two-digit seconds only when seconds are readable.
1.13
